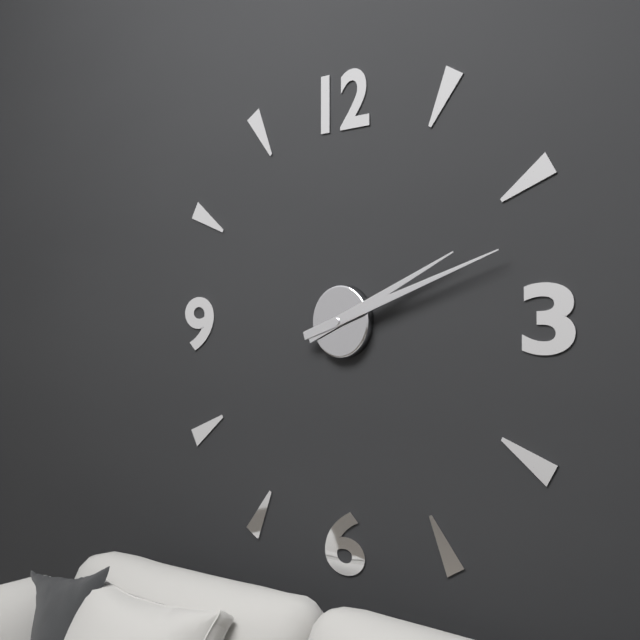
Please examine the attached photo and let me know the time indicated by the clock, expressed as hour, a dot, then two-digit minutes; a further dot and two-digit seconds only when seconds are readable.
2.12
